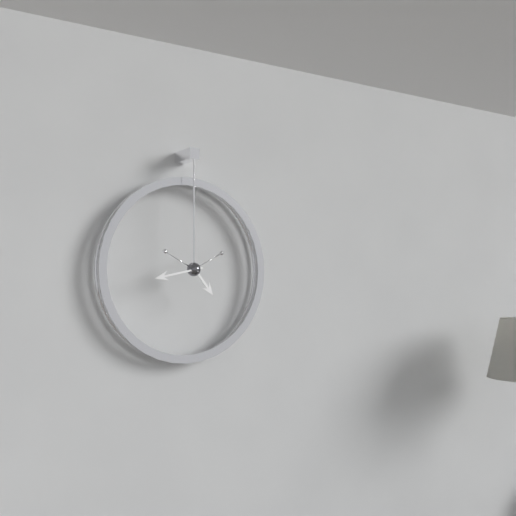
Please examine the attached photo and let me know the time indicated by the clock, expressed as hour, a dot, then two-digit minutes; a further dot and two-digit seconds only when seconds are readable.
4.43
